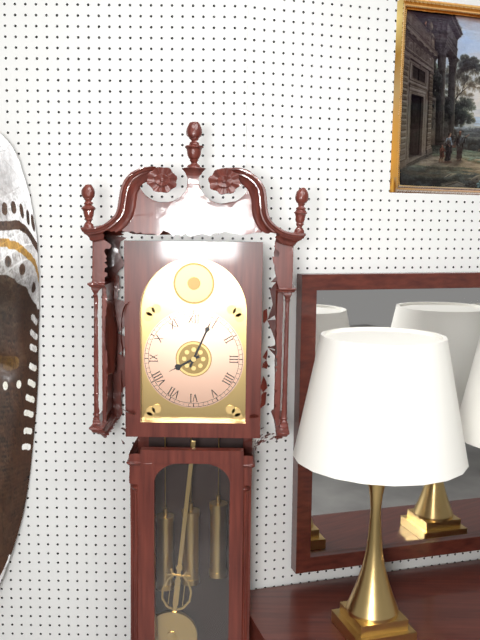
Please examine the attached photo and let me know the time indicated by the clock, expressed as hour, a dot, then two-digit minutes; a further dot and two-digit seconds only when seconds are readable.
8.04
